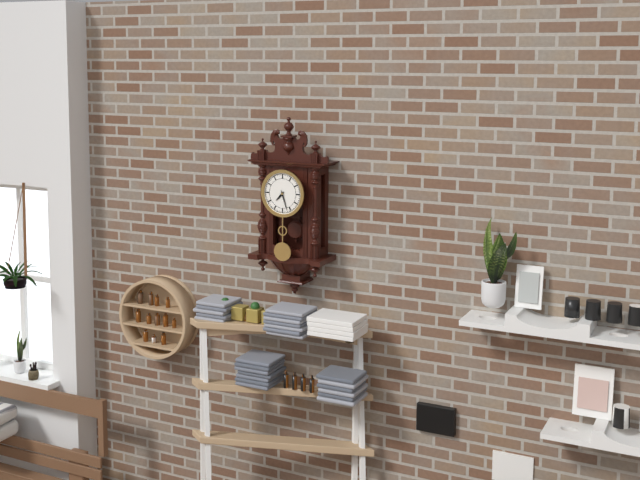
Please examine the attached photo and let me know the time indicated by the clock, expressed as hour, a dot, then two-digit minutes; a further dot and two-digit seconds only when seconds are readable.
7.27
